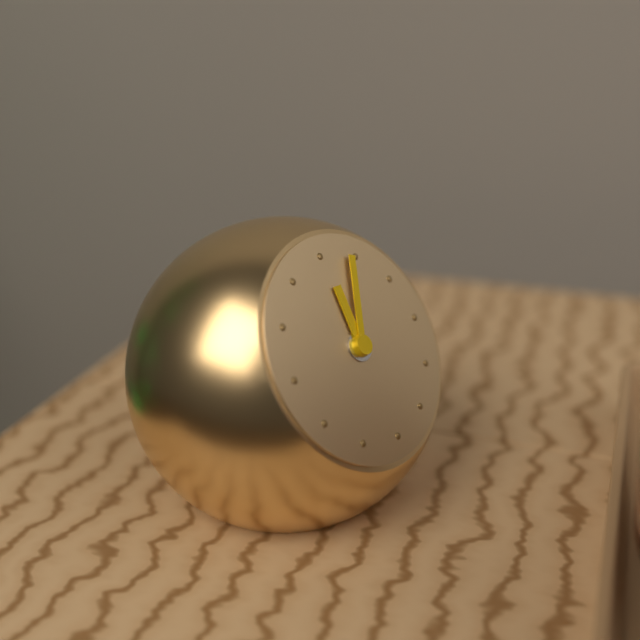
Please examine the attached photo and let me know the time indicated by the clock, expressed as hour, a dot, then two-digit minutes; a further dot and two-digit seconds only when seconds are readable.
12.04
